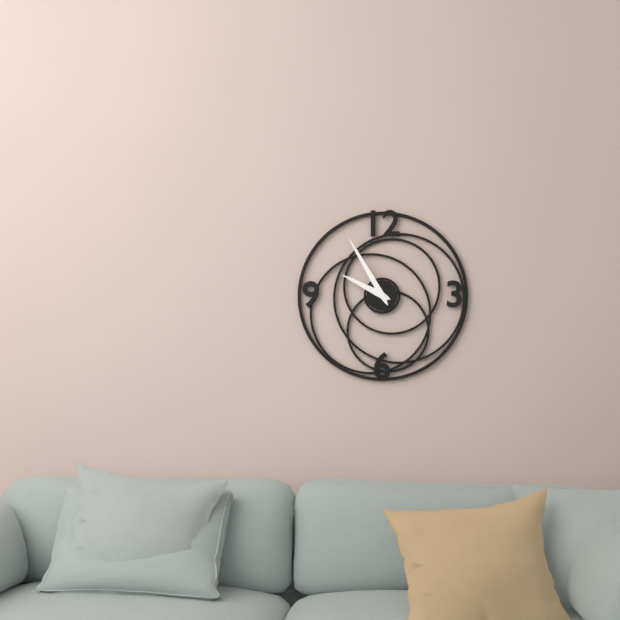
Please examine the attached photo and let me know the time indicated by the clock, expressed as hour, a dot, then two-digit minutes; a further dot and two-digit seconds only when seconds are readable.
9.55
